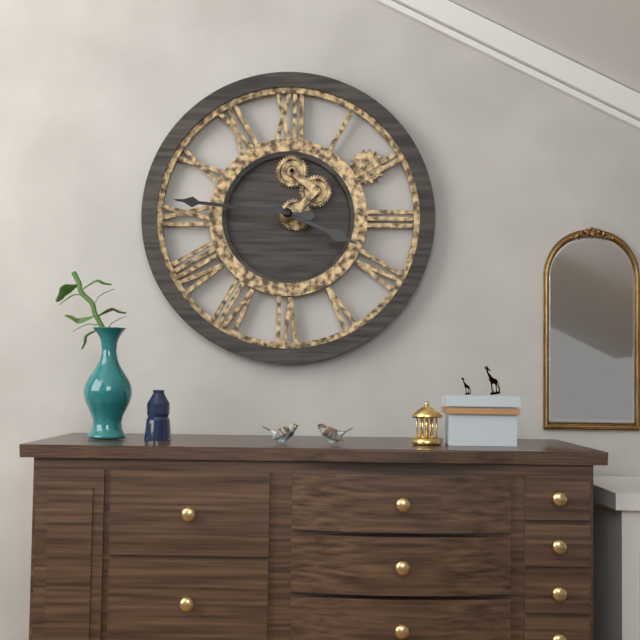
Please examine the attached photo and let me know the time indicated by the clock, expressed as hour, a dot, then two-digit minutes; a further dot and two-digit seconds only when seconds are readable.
3.46
